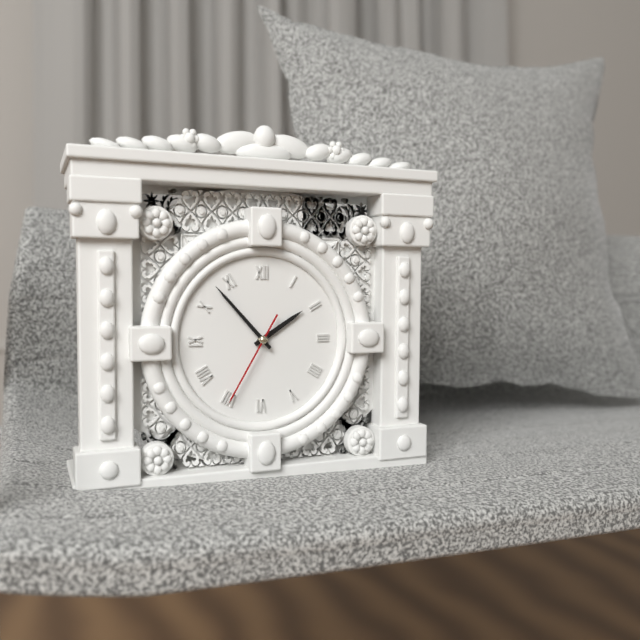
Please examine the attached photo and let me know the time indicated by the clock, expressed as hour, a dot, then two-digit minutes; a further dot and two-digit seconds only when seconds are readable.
1.53.35
